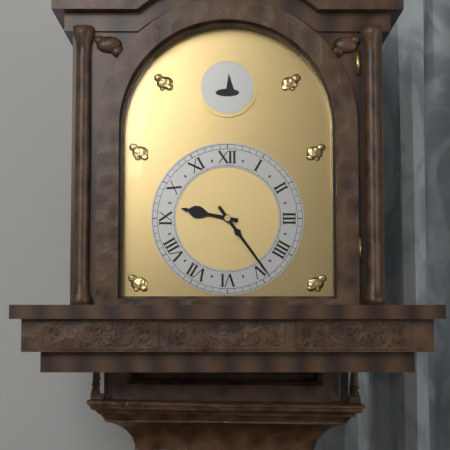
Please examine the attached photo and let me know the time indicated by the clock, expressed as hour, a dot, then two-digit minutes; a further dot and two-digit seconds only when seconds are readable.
9.24
